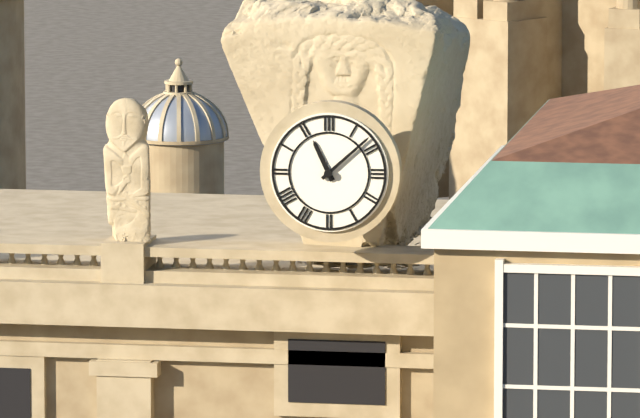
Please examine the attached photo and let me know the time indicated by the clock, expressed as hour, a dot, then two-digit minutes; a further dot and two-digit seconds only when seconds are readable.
11.08
